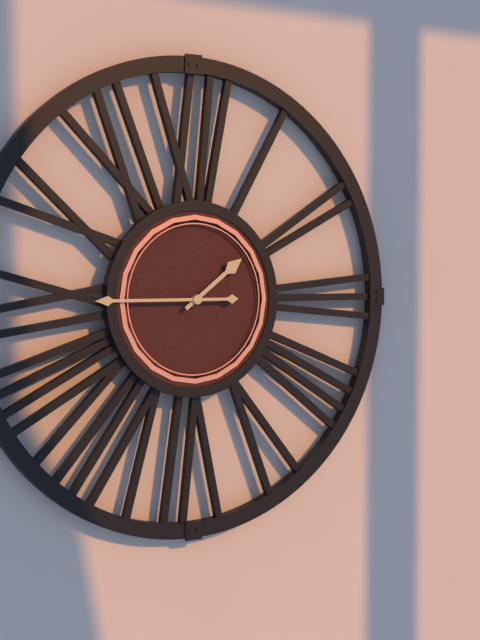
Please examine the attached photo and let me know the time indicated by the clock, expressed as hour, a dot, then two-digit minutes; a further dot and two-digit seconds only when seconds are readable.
1.45
